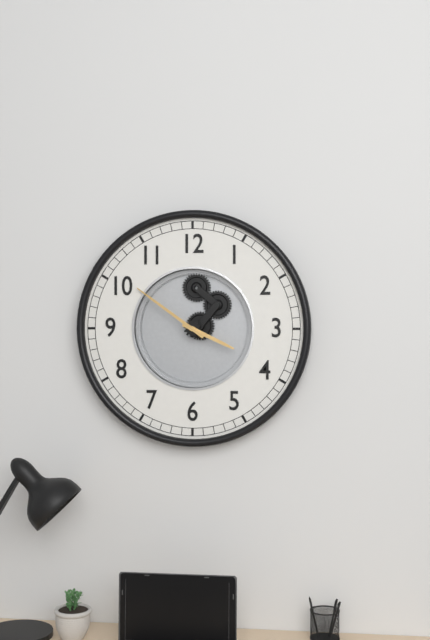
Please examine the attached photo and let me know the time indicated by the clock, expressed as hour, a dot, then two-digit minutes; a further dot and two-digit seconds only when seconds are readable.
3.51
